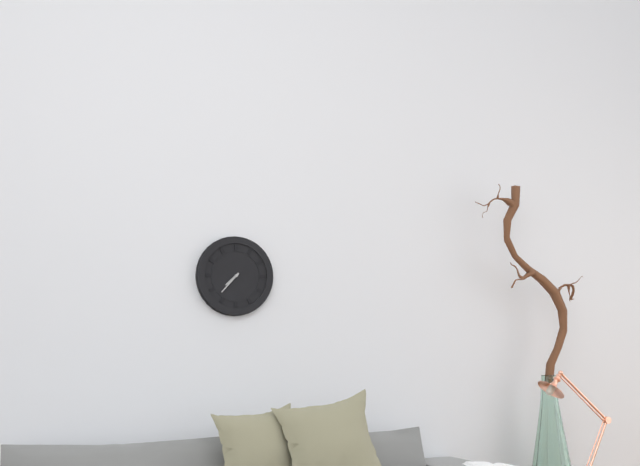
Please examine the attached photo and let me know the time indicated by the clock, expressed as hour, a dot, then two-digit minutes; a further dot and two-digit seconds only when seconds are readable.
7.37
